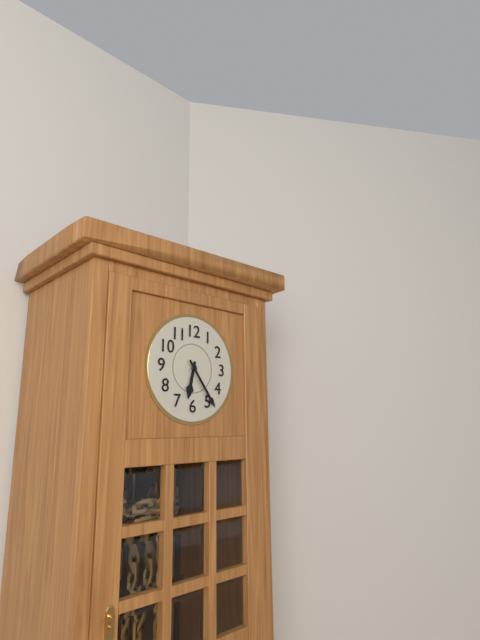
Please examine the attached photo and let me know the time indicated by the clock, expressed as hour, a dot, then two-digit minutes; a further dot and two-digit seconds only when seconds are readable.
6.24
